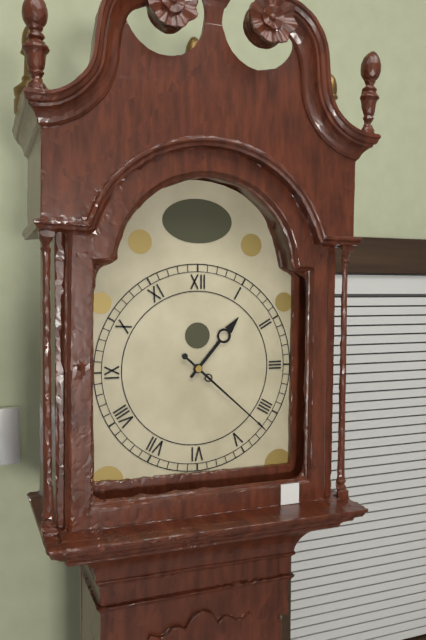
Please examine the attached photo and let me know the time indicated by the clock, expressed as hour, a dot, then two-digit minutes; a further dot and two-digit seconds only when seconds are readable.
1.22
